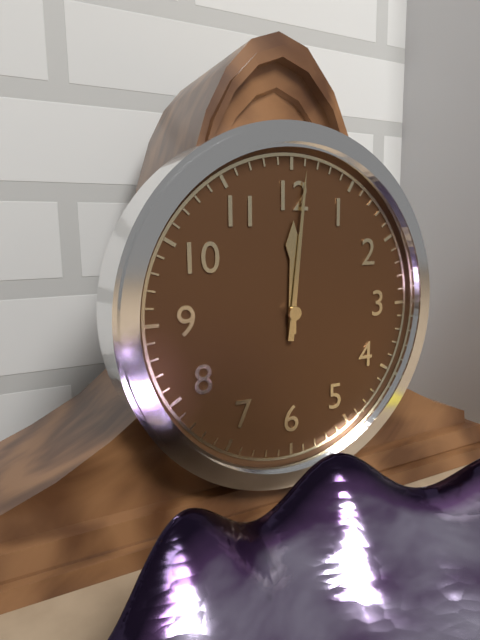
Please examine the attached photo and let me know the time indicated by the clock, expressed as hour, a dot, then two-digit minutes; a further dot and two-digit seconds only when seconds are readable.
12.01
